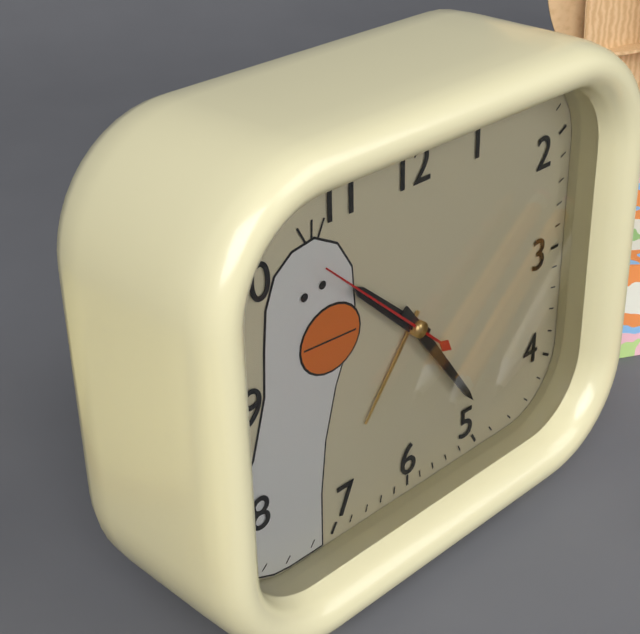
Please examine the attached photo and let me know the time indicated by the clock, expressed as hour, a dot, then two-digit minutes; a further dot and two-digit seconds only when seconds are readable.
10.24.52
